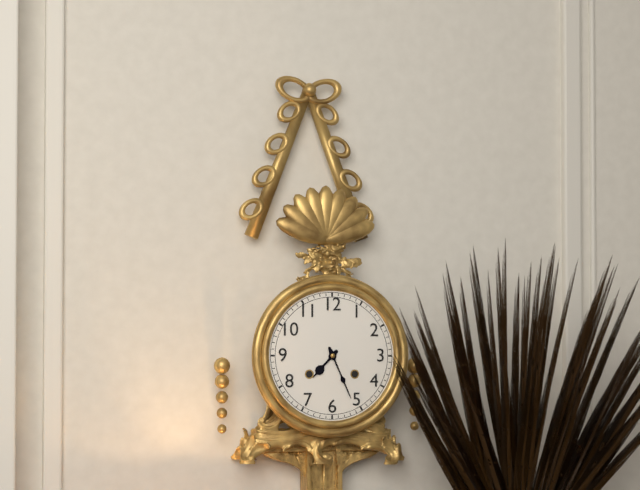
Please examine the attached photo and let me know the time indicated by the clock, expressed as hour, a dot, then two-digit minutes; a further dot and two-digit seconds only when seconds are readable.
7.26
